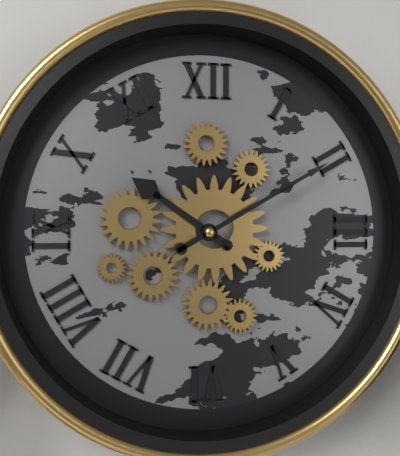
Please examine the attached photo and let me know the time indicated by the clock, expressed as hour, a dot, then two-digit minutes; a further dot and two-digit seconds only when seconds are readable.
10.10
